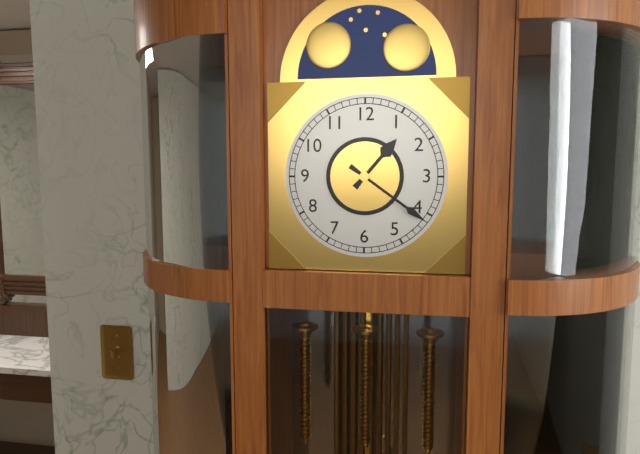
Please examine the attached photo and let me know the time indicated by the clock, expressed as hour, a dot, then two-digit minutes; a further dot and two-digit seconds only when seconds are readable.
1.21
